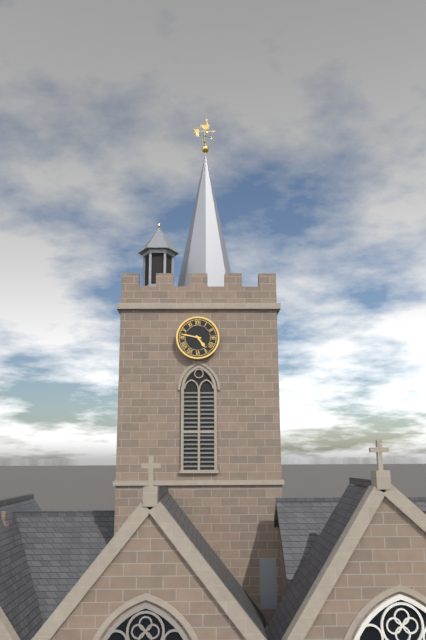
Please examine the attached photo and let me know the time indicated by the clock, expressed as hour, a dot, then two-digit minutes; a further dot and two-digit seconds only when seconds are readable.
4.47
